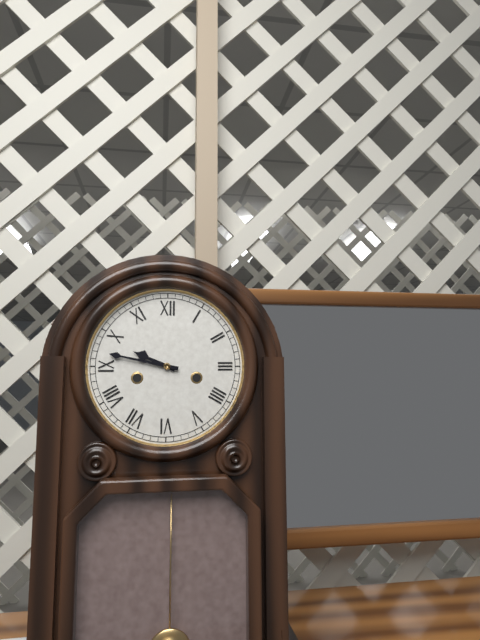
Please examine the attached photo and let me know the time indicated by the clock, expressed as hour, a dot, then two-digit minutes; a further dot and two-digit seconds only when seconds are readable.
9.47
